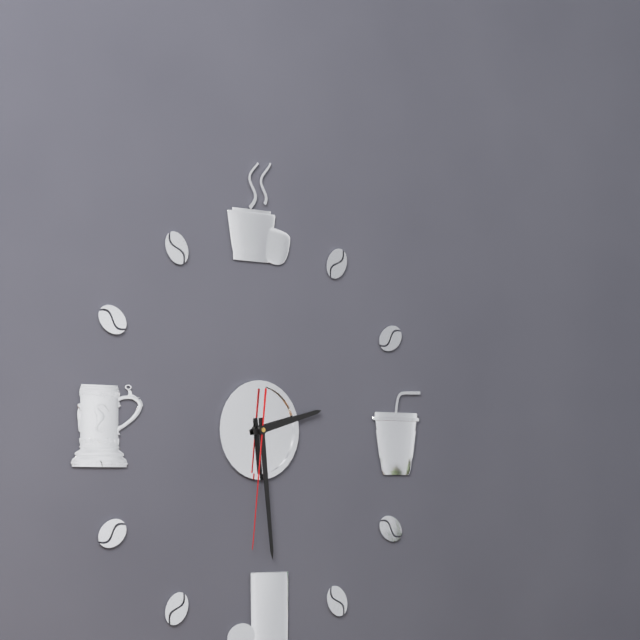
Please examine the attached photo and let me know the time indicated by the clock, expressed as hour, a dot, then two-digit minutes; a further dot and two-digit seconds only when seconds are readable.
2.29.31
